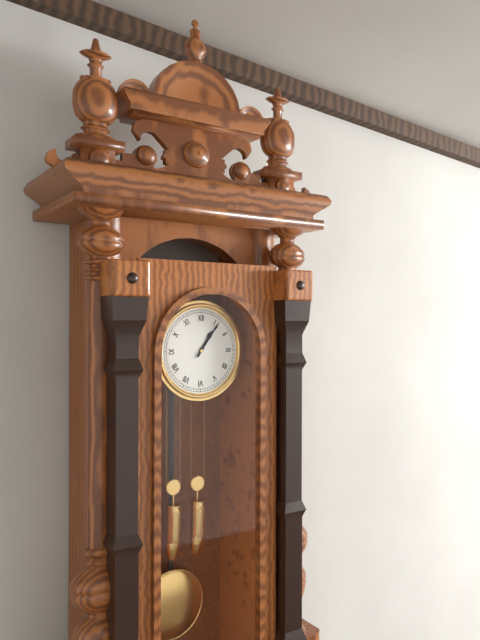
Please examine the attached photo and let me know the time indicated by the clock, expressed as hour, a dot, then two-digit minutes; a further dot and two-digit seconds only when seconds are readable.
1.06
